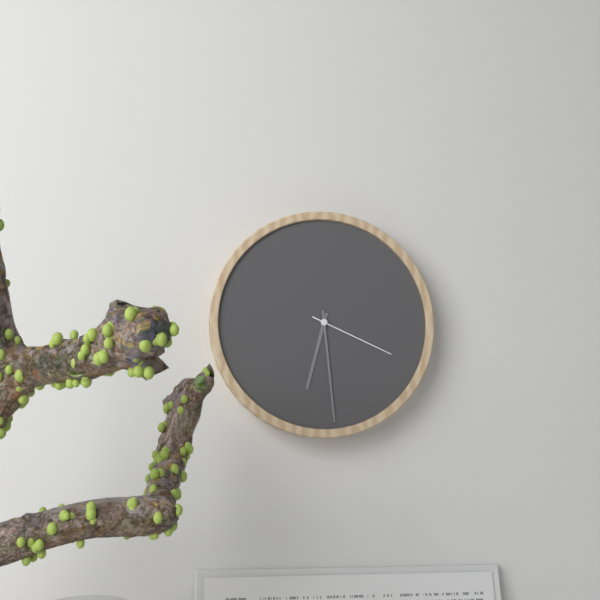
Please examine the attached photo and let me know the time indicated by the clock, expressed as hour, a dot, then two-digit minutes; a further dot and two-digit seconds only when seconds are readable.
6.29.19
